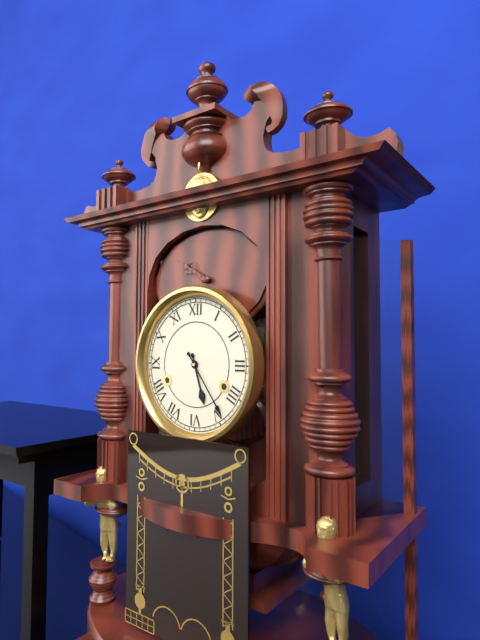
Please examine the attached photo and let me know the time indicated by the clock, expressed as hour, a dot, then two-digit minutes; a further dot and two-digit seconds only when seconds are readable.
5.24
